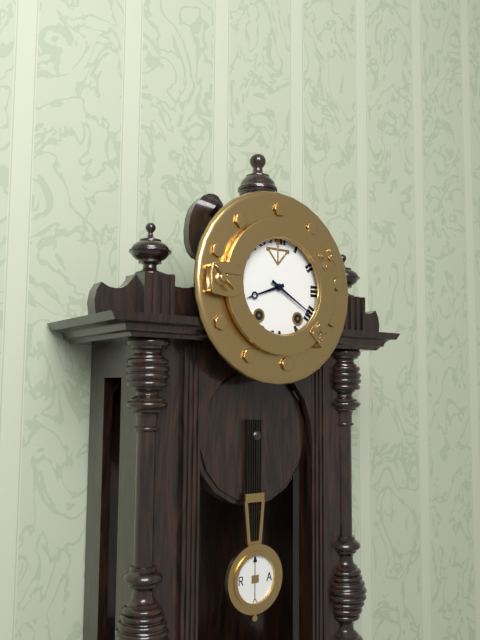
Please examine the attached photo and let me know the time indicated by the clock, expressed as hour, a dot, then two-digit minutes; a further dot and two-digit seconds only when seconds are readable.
8.20
